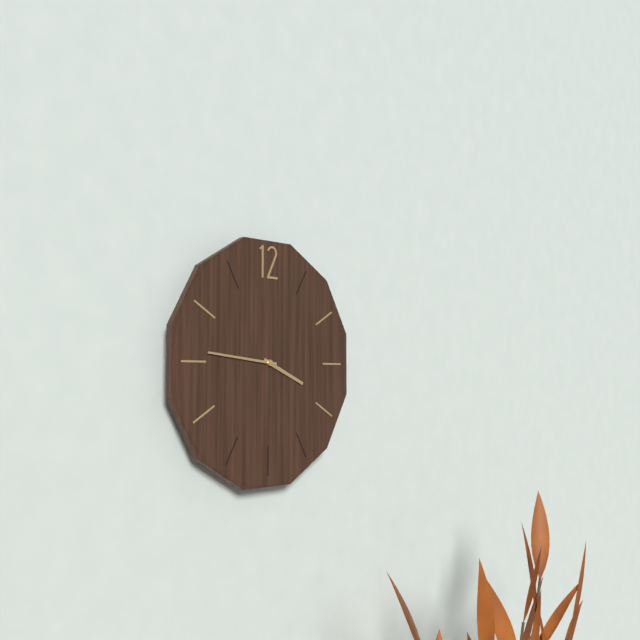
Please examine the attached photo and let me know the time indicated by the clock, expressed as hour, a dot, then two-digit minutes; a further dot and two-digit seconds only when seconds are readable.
3.46
